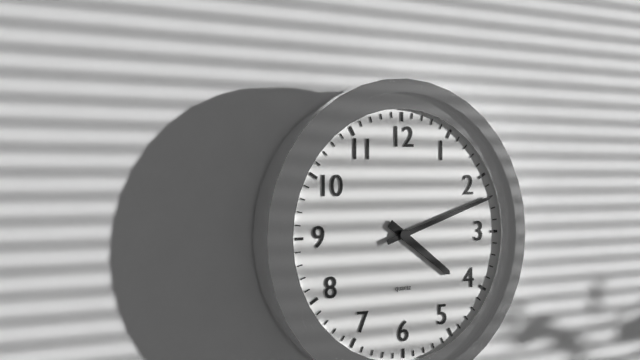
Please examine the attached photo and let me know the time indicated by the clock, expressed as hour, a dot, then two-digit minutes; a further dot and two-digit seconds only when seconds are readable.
4.12
